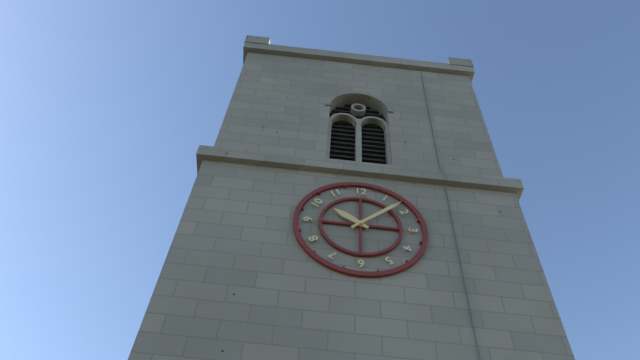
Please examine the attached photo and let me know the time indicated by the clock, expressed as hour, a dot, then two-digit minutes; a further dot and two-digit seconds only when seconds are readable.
10.08
